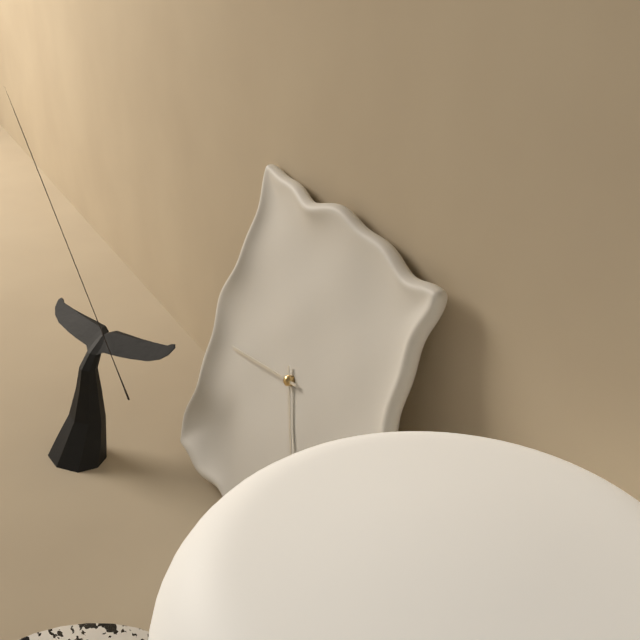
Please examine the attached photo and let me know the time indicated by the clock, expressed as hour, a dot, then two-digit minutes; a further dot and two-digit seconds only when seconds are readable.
4.43
